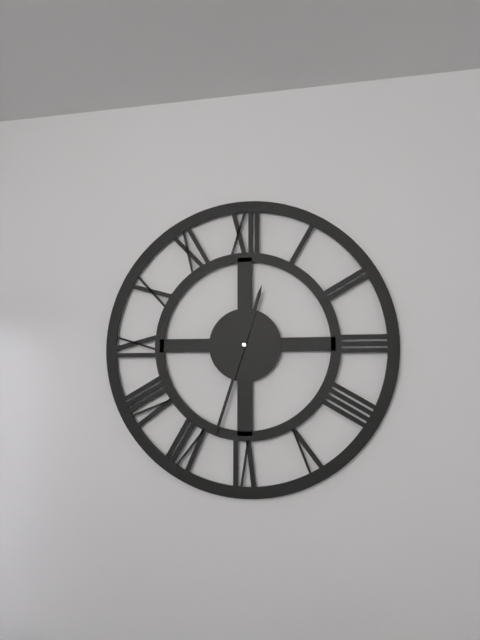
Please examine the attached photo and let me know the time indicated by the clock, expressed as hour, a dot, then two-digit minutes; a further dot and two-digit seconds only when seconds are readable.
12.33
